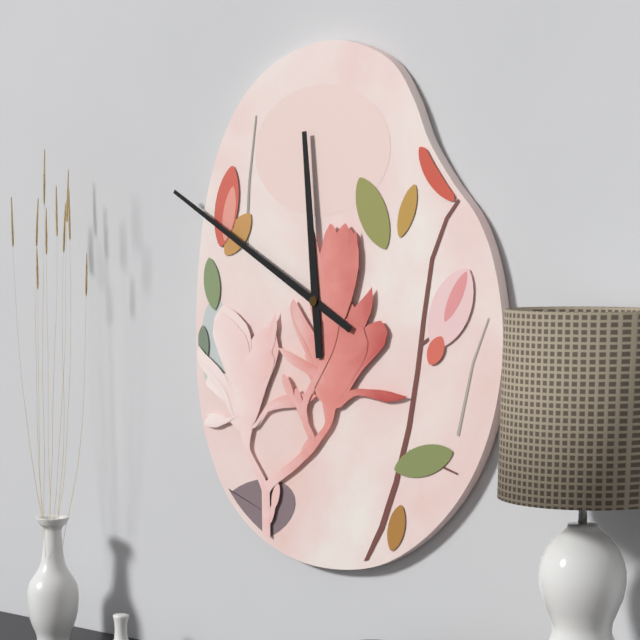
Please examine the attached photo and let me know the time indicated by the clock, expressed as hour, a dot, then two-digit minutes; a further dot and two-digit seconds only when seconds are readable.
11.50
